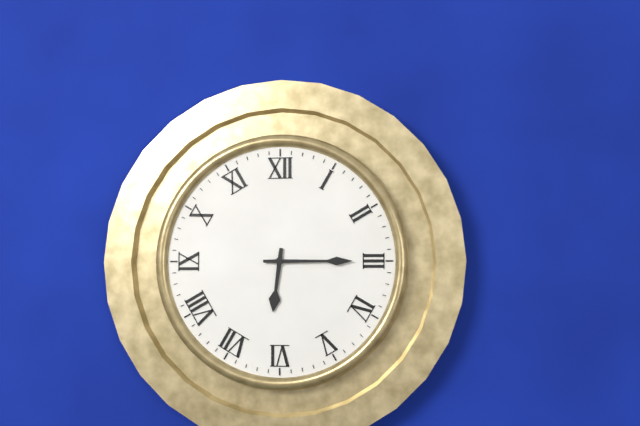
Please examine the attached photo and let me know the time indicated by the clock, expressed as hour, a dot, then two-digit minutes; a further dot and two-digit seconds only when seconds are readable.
6.15
